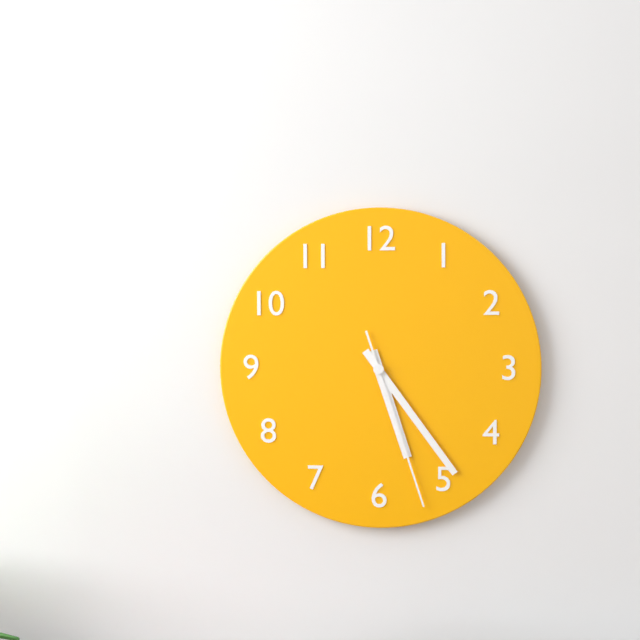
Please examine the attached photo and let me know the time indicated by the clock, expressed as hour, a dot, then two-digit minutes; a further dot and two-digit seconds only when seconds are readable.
5.24.27
